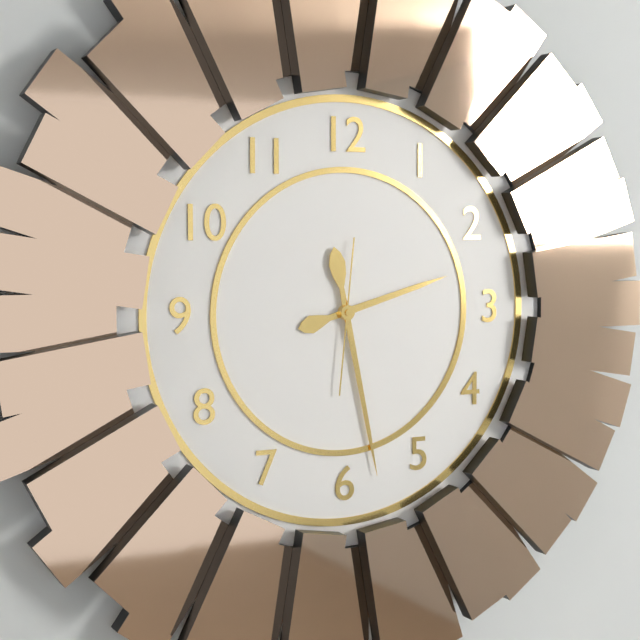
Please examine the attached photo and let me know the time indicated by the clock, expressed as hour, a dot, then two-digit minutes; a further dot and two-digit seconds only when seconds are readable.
2.28.31
